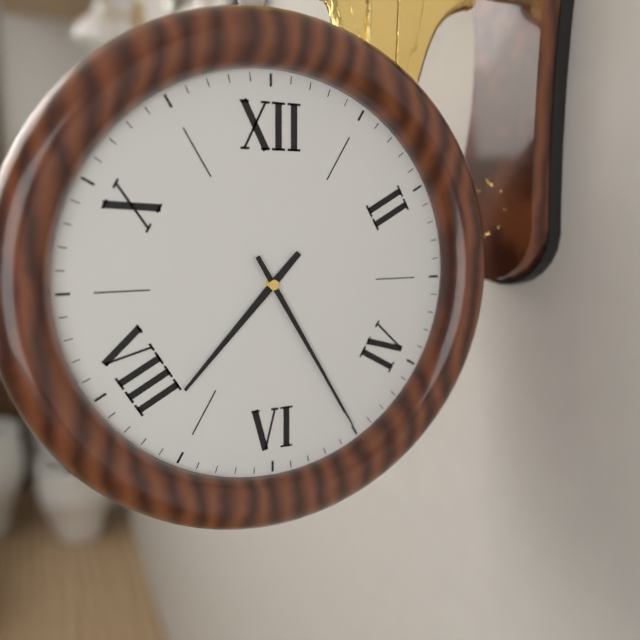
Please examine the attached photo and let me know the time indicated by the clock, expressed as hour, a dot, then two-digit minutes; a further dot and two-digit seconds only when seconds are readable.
7.25
